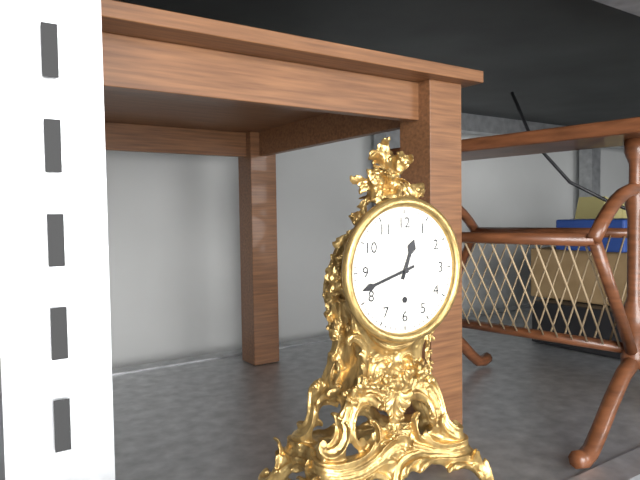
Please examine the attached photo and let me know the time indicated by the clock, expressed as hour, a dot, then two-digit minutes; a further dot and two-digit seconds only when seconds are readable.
12.42
